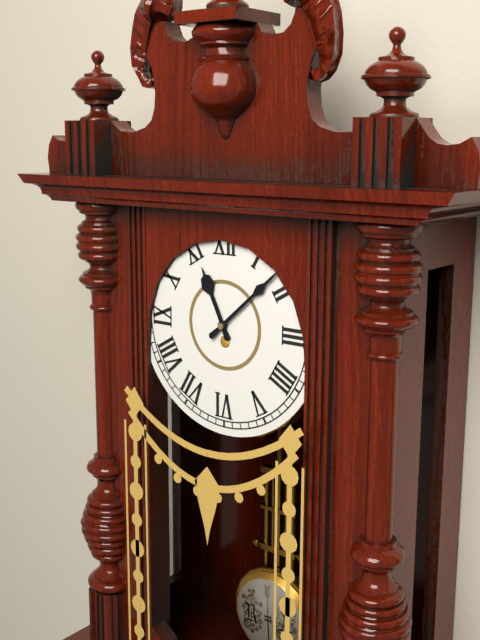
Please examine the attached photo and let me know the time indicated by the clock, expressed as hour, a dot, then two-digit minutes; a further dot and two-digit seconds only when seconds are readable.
11.08
